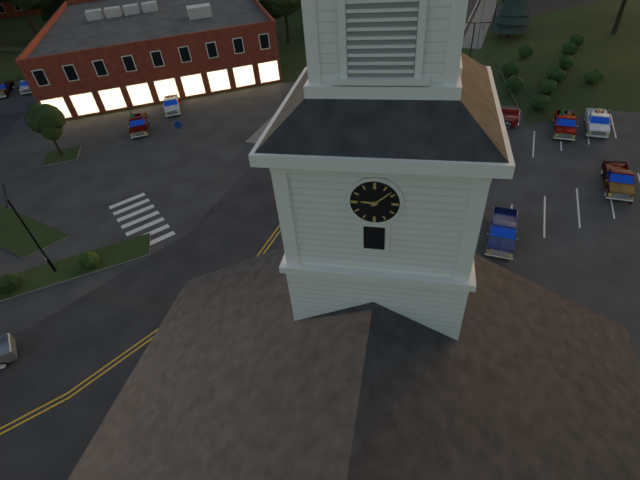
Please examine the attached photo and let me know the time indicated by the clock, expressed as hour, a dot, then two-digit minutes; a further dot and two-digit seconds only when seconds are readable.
9.08
